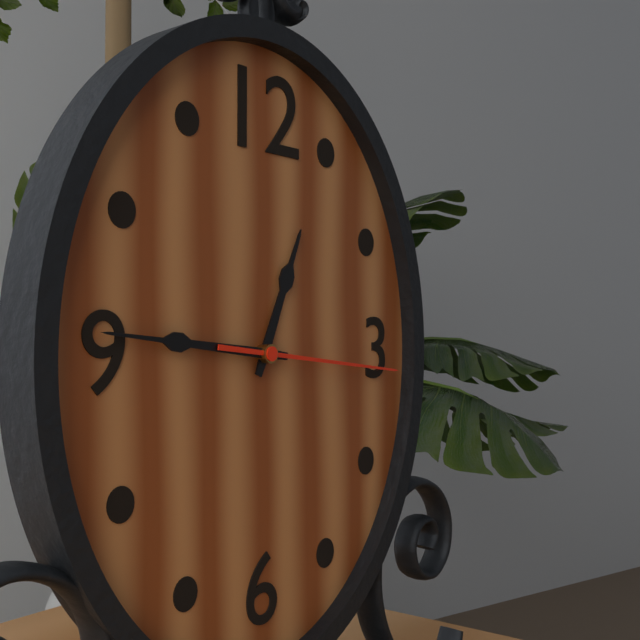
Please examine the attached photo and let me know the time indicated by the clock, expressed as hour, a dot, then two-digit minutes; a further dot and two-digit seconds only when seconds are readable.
12.46.16
